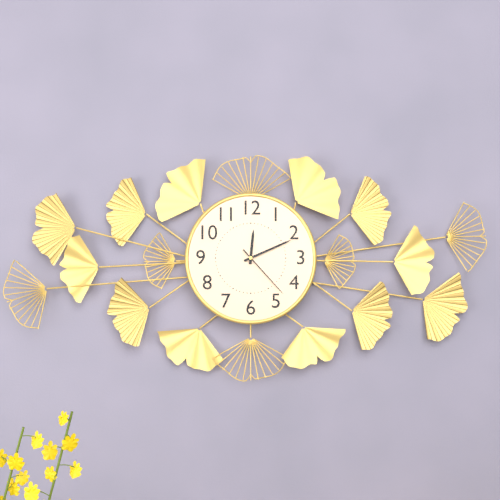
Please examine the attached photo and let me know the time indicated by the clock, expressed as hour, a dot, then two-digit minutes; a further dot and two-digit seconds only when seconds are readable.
12.11.23
